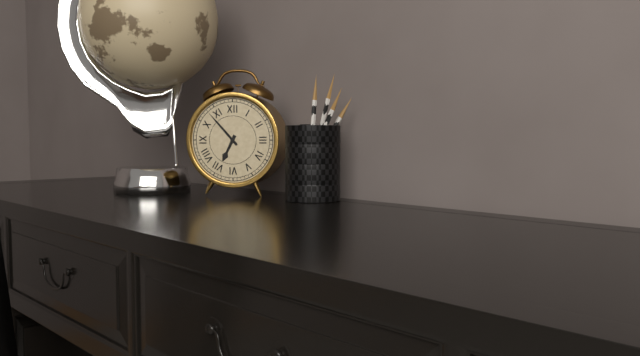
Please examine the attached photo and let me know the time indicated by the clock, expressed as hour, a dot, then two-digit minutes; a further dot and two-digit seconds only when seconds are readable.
6.53
